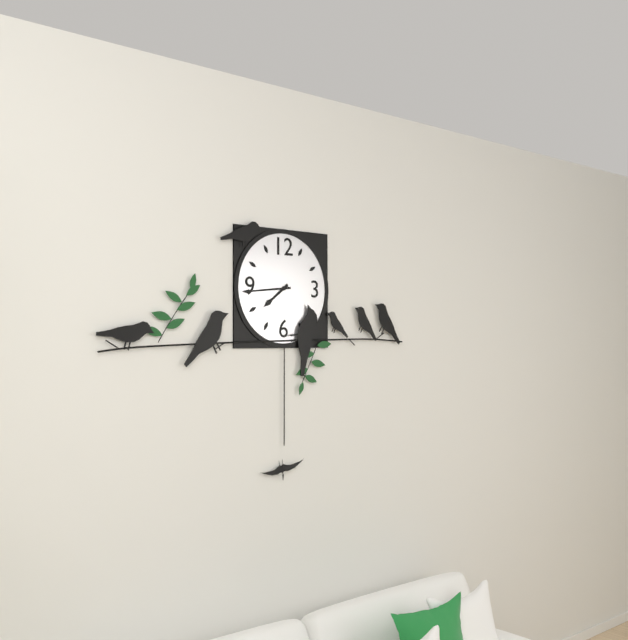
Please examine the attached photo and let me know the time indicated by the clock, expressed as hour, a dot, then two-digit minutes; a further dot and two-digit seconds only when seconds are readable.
7.44
